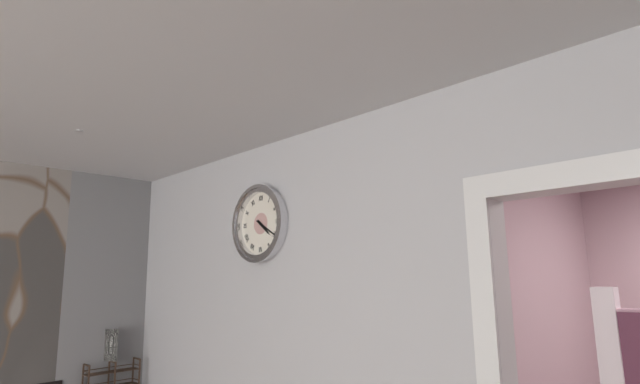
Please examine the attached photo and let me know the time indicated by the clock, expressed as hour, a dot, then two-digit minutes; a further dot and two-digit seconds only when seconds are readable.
4.20
